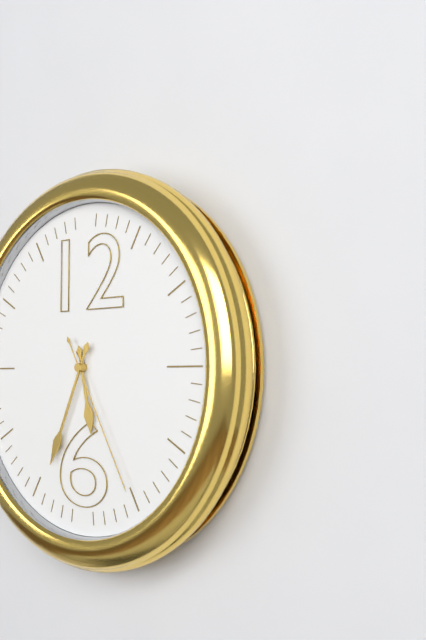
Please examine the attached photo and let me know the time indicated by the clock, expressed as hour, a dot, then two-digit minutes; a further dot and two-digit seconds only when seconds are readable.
5.34.25
